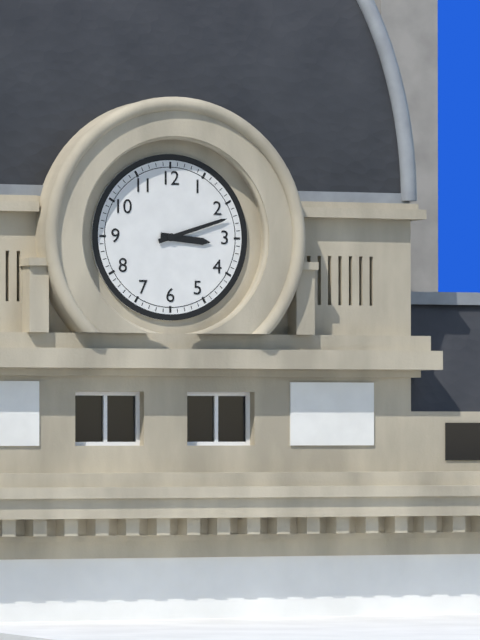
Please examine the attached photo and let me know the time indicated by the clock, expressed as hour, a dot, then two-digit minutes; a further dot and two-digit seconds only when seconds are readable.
3.12
